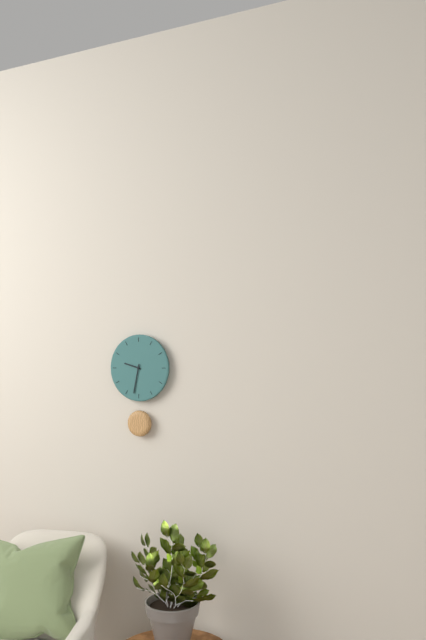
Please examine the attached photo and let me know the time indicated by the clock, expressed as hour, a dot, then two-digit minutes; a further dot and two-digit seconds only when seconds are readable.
9.32
